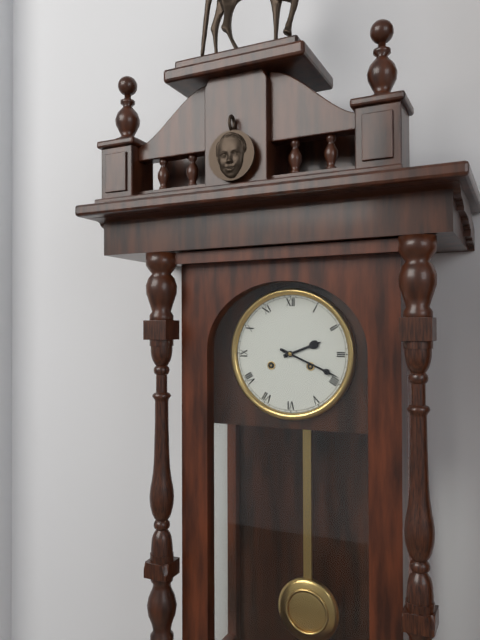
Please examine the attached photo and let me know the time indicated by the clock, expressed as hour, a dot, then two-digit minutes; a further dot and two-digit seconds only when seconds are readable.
2.19
